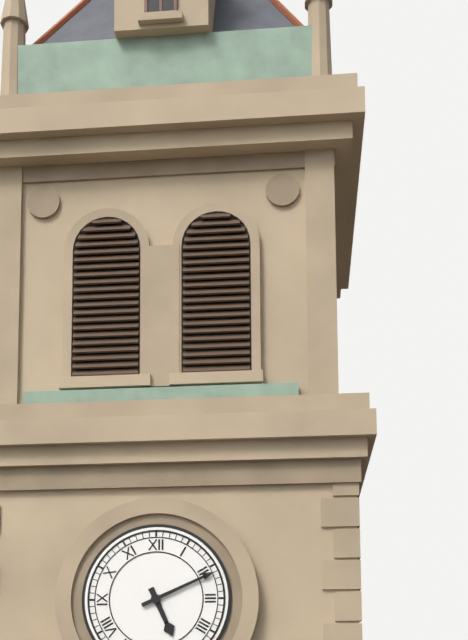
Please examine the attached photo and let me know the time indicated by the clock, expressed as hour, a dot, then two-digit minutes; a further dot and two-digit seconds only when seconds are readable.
5.11
